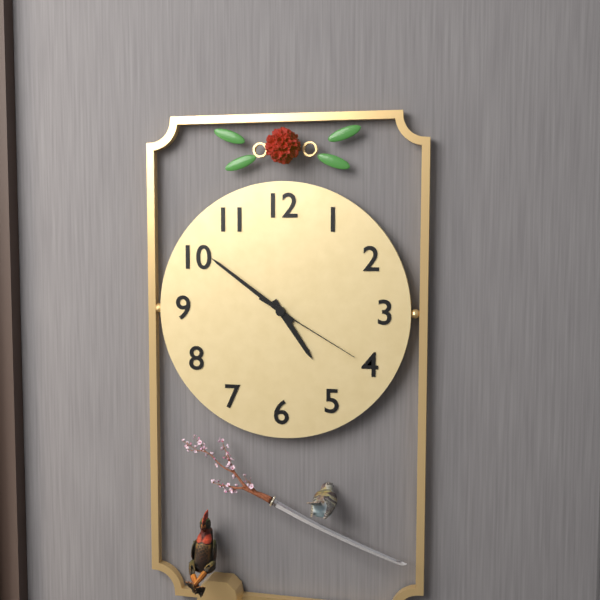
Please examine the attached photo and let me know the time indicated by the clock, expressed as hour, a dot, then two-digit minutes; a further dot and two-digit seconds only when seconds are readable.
4.51.20
